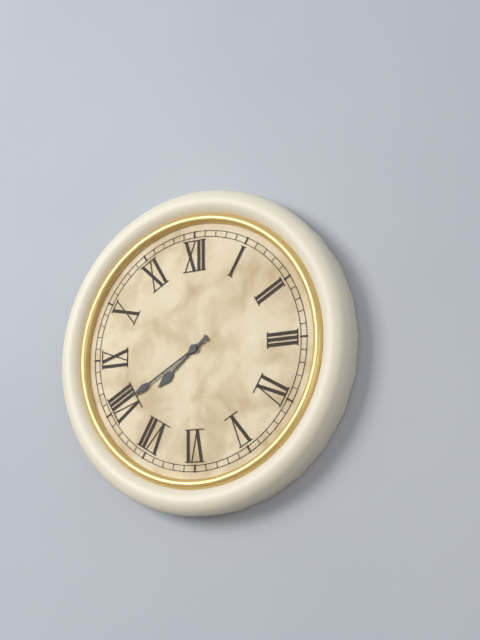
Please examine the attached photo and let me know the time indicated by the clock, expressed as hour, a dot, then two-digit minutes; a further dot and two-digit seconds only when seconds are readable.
7.40
